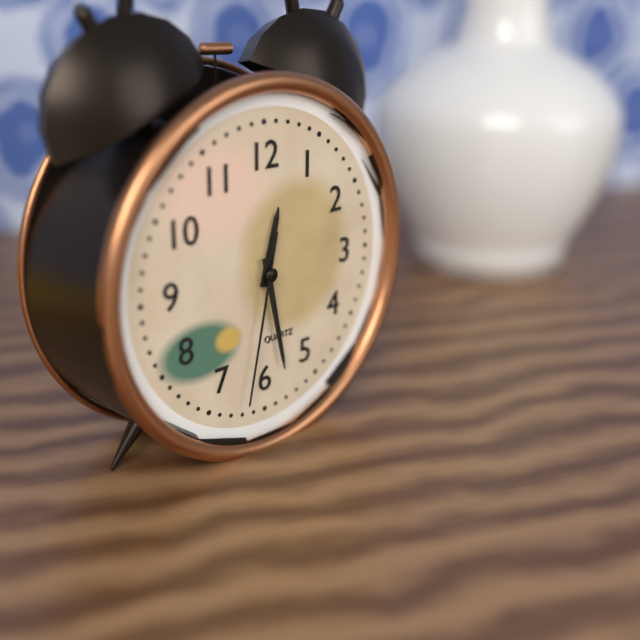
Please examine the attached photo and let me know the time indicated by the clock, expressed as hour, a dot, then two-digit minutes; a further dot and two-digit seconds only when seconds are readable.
12.28.32
